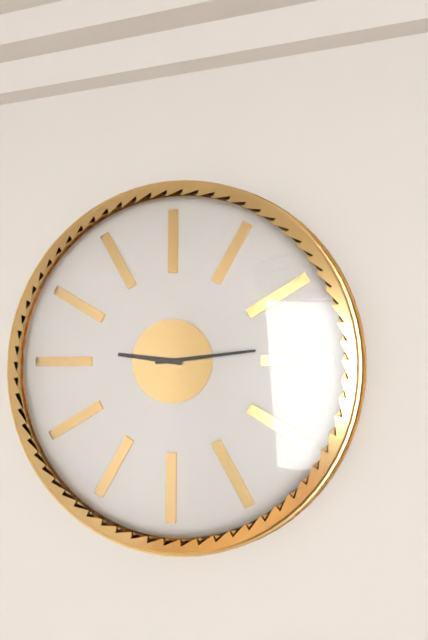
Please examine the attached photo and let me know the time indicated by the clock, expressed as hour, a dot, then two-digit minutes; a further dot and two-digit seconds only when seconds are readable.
9.14
